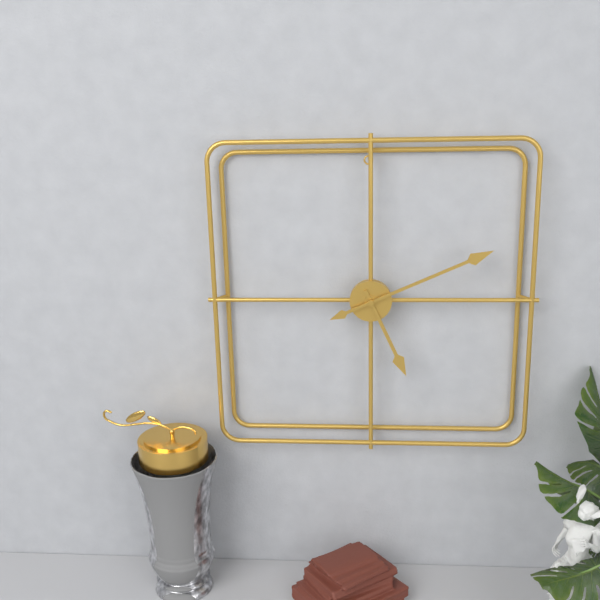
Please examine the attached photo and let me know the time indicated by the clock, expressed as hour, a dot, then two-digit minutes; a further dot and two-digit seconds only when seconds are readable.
5.11
